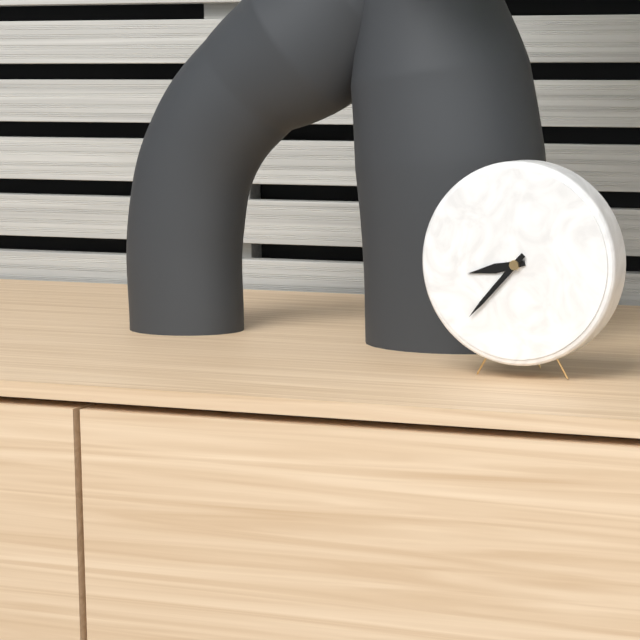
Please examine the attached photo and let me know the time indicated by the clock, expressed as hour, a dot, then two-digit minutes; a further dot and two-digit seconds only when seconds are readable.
8.37
